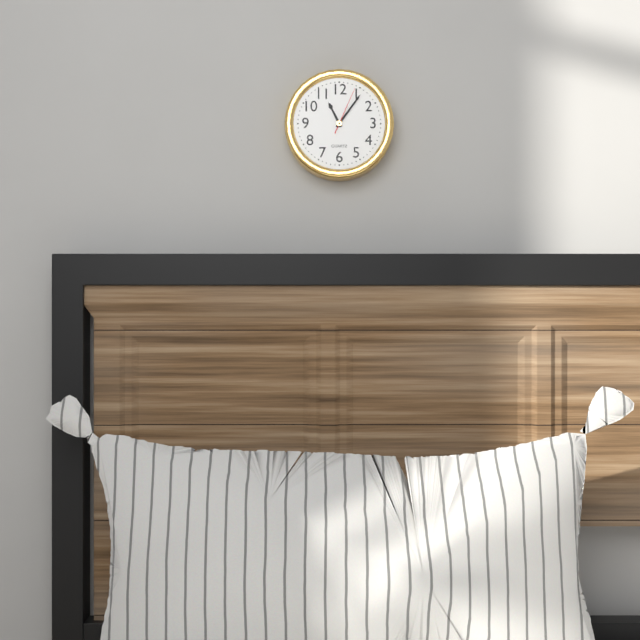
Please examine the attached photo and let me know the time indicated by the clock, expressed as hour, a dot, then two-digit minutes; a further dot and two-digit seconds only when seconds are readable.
11.06
